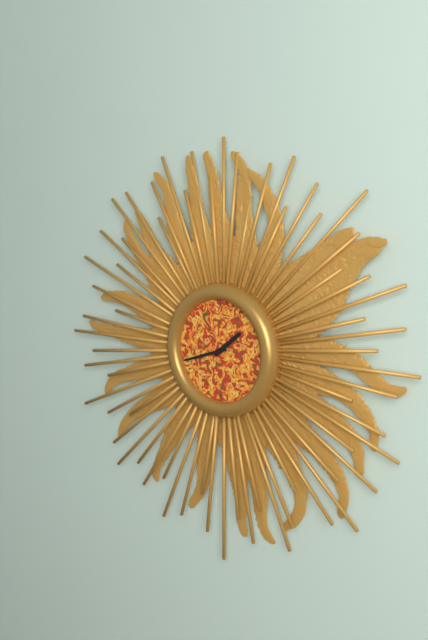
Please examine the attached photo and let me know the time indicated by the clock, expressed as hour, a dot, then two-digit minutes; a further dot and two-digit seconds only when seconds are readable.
1.42
